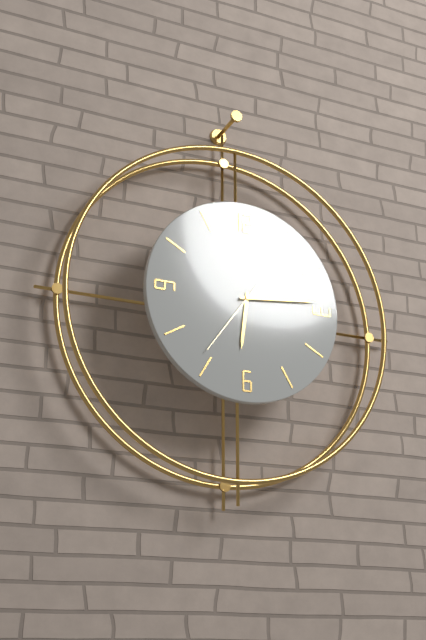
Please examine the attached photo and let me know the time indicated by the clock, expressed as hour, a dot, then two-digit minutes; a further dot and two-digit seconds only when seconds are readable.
6.14.36
